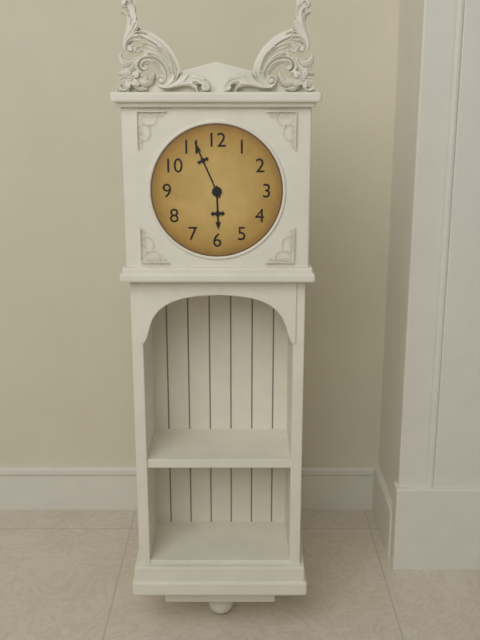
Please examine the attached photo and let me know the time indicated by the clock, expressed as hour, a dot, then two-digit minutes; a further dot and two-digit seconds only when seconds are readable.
5.56
